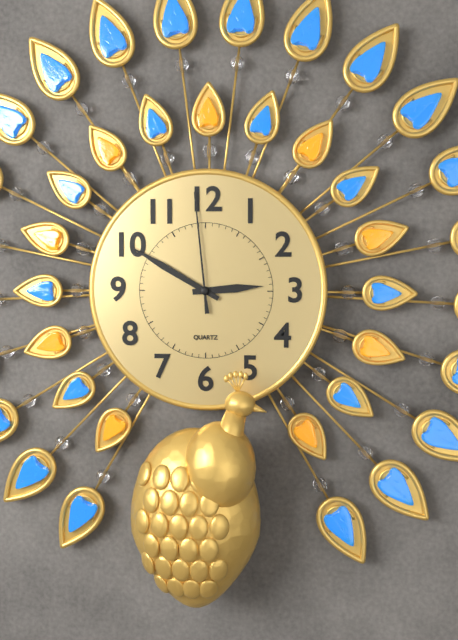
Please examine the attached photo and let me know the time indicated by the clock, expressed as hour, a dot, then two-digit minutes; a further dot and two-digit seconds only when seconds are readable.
2.50.59
